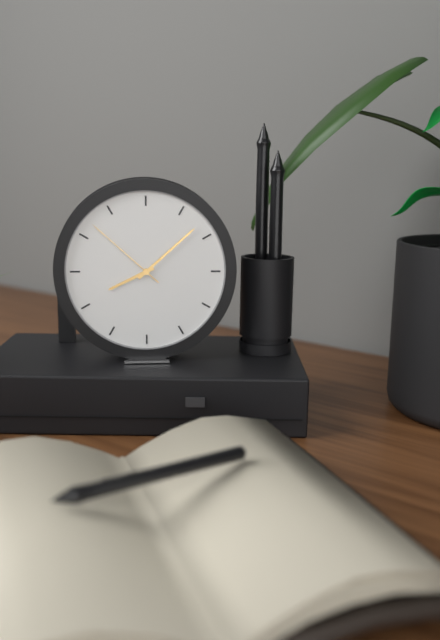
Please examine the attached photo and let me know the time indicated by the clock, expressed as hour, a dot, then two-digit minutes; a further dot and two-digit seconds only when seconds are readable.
8.08.52
